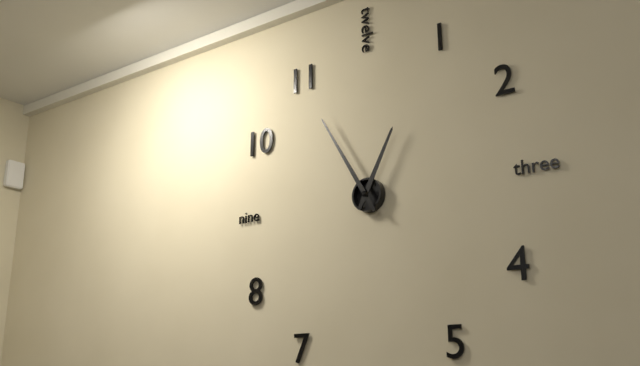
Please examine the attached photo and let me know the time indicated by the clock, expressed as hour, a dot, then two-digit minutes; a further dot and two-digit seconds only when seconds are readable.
12.55
